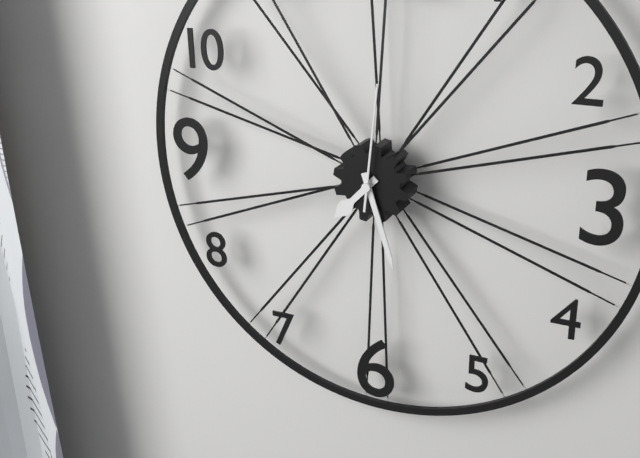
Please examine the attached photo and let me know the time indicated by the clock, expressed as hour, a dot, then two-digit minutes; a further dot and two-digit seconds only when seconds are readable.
7.27.01
